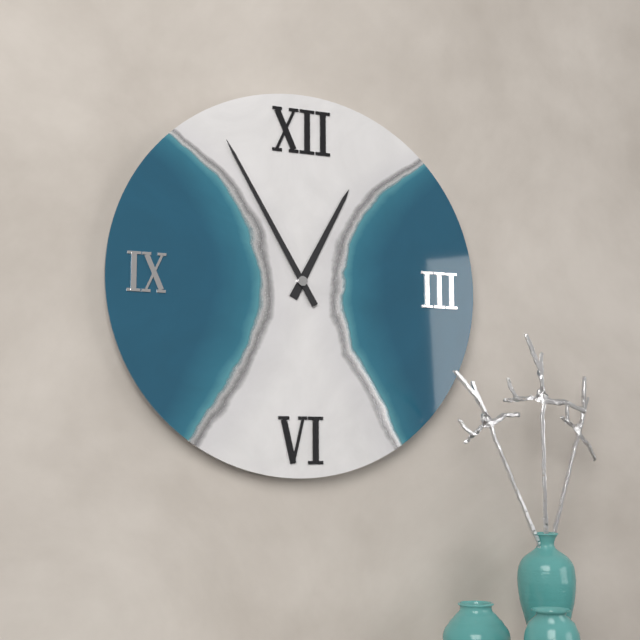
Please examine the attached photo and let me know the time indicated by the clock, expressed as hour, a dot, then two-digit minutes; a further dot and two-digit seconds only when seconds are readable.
12.55
